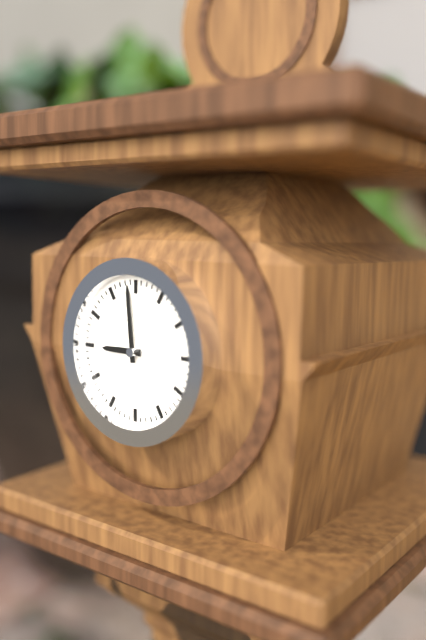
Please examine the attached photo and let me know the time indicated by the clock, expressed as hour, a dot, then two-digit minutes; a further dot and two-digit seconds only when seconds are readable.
8.59
